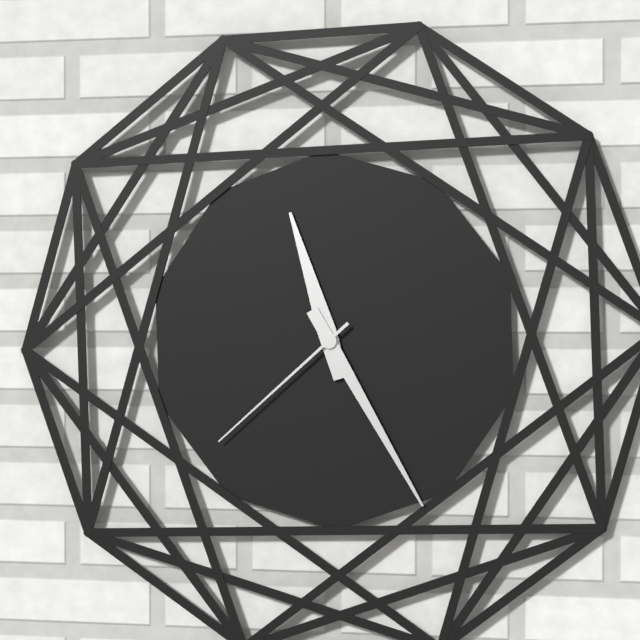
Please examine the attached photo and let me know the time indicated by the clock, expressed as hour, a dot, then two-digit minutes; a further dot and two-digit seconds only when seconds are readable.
11.25.38
